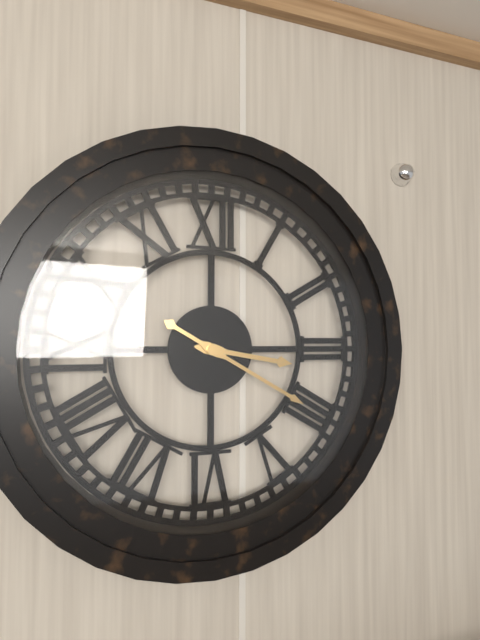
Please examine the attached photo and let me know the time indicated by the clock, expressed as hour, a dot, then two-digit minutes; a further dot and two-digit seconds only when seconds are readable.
3.20
